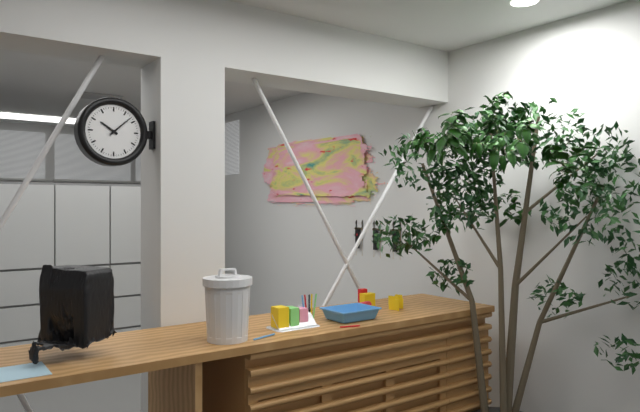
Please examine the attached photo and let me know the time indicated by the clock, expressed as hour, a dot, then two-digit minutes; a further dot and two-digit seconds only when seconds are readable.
10.08
